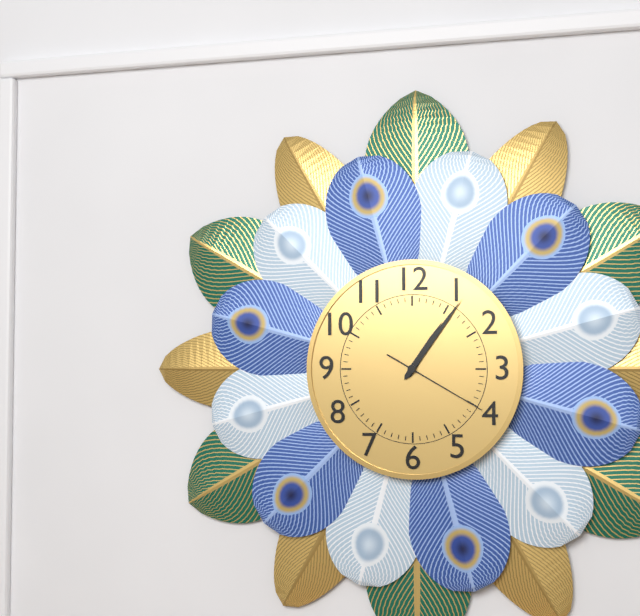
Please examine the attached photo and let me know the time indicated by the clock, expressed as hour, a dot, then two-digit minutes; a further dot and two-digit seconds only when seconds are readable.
1.06.20
